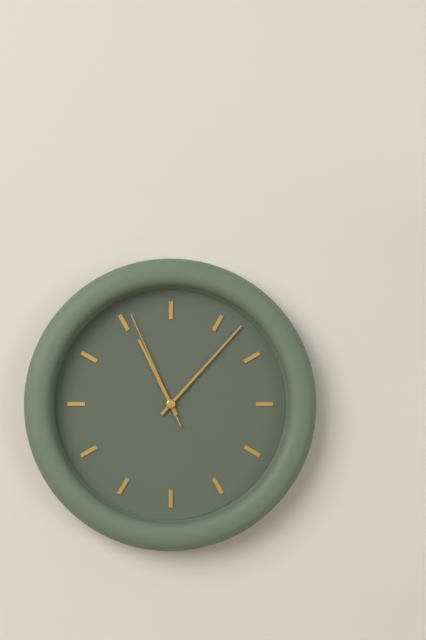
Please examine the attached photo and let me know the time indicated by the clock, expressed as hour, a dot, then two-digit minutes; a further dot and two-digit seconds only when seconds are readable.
11.07.56
